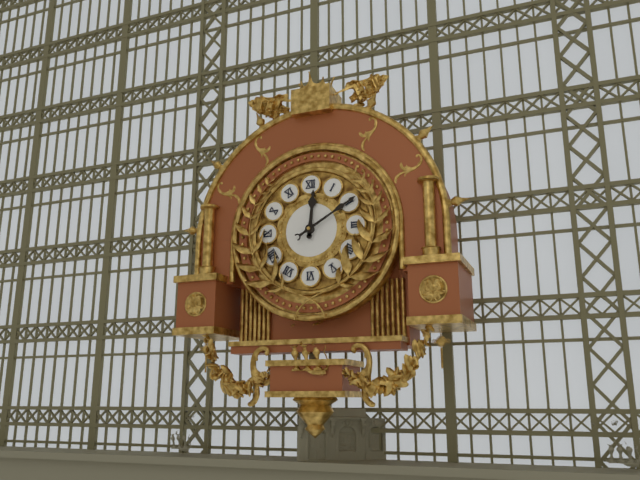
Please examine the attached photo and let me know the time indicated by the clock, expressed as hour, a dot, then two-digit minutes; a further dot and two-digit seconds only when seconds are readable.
12.10
